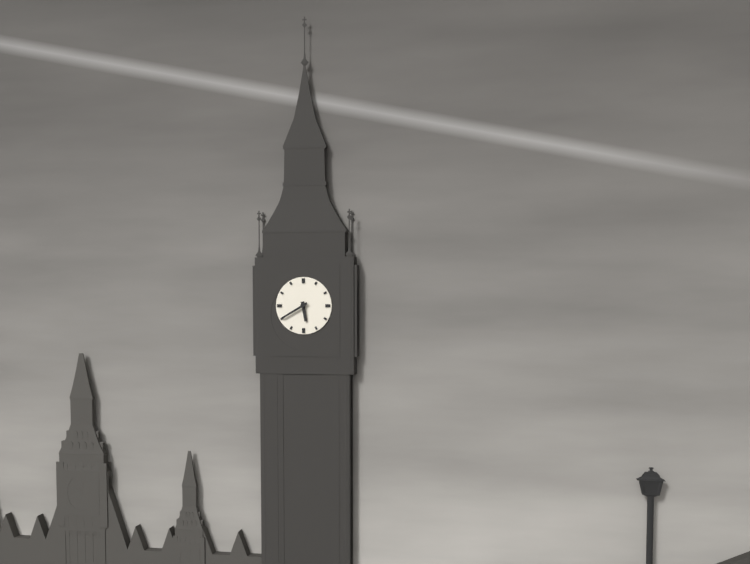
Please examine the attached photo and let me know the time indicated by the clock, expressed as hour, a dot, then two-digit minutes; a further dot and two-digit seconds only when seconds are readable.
5.40
